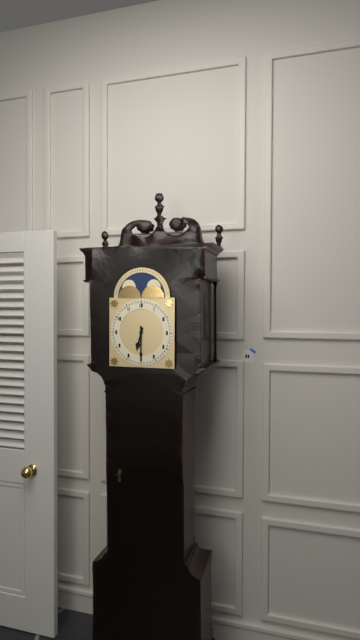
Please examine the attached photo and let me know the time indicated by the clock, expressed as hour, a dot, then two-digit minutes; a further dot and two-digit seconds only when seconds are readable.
6.30
